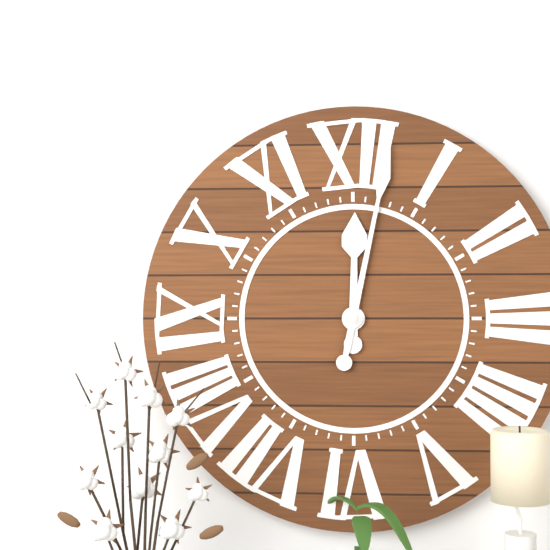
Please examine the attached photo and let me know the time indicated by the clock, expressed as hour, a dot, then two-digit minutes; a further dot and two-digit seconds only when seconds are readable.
12.02
